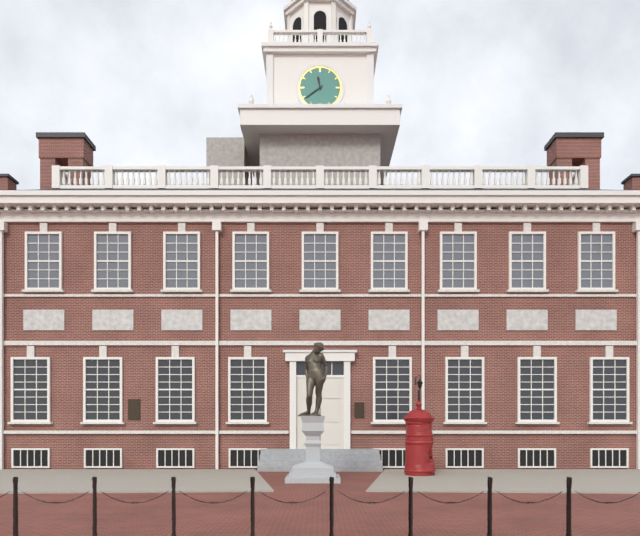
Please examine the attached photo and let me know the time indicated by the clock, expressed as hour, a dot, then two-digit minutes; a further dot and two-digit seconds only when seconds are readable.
11.39
